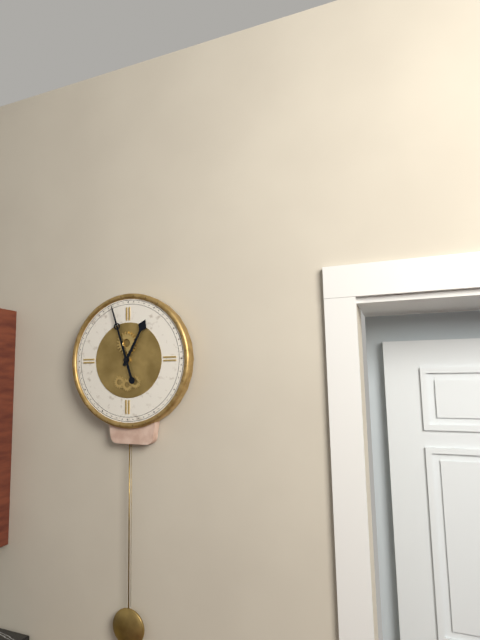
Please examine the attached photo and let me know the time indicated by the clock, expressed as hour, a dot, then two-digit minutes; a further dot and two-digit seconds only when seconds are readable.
12.57
